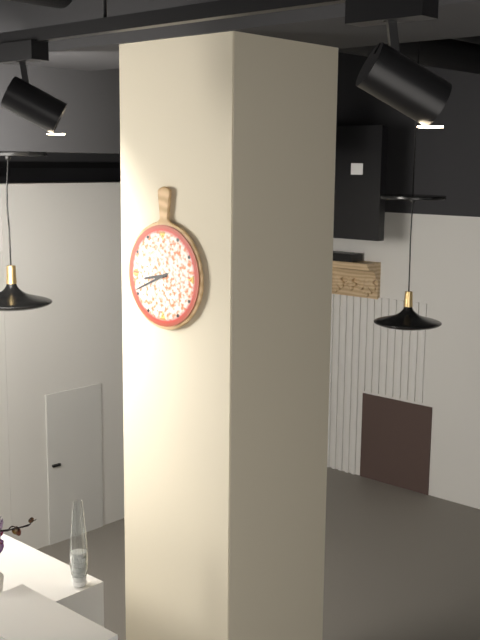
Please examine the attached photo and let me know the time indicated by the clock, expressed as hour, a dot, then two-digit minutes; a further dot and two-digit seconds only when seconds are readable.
8.41
